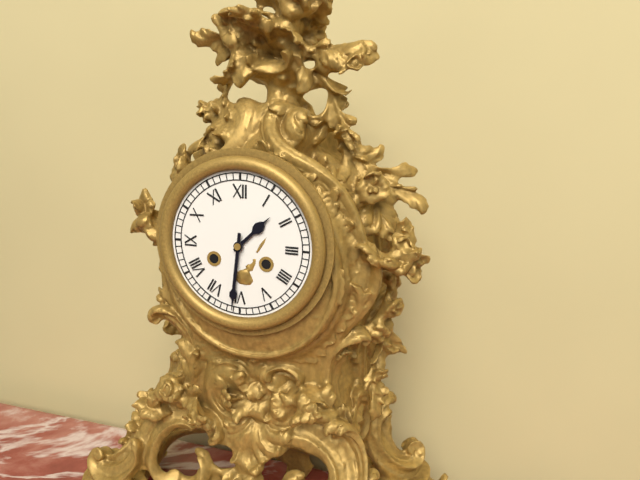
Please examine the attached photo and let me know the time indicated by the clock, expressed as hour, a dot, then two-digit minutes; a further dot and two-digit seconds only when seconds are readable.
1.31
